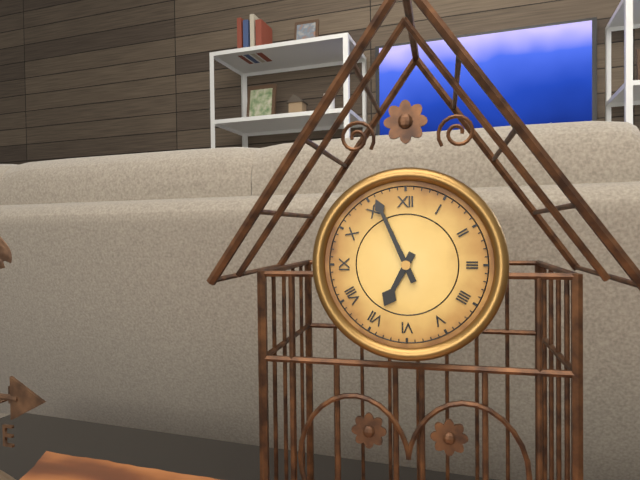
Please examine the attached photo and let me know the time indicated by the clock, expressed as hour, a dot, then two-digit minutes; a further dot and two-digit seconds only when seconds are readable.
6.56
